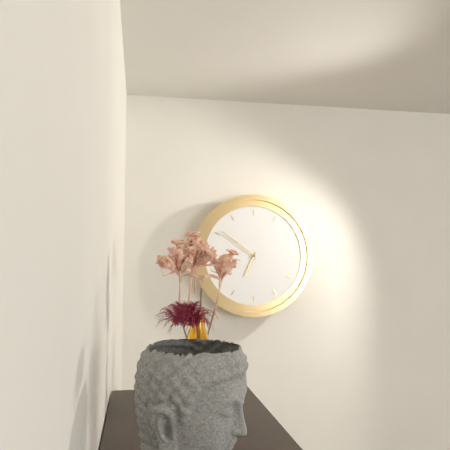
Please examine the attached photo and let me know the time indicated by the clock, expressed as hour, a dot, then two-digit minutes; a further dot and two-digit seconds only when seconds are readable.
6.51
